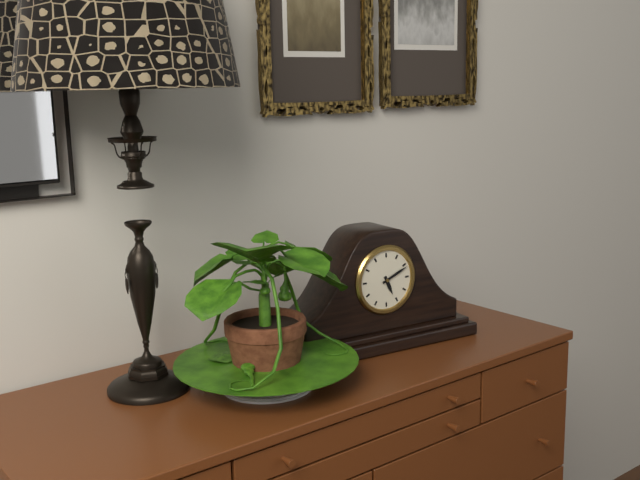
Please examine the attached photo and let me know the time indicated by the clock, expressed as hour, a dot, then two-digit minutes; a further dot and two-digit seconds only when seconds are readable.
5.11
